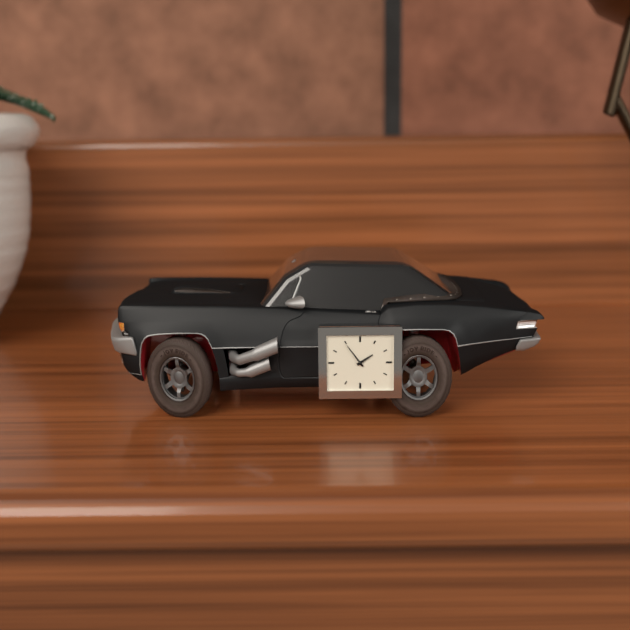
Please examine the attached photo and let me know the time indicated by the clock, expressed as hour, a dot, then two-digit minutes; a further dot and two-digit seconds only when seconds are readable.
1.54
